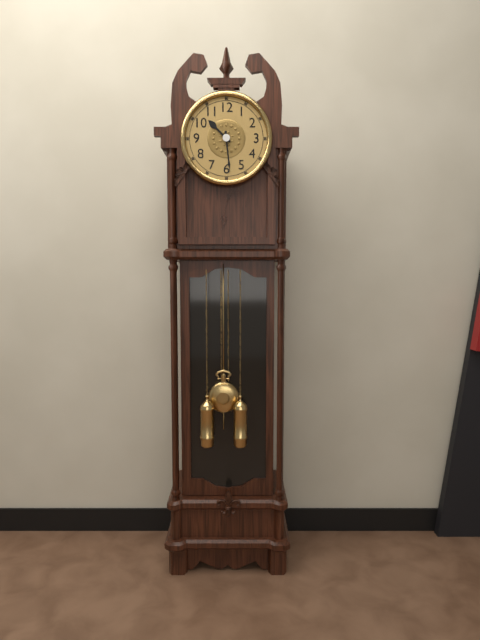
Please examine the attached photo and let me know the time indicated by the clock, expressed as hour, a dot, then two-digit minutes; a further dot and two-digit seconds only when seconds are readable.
10.29
